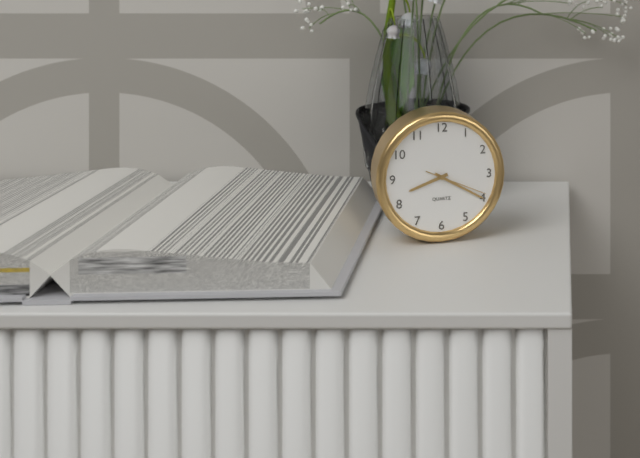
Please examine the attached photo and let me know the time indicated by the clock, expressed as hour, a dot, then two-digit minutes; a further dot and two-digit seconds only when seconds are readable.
8.20.19
